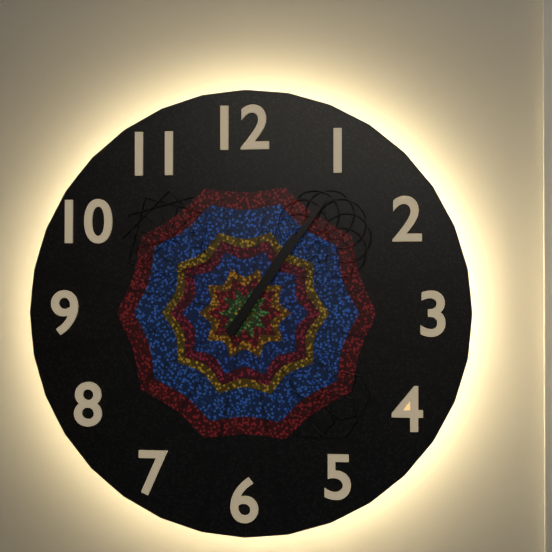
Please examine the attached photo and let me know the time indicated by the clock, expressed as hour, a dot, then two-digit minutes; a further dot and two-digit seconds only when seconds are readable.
1.06
